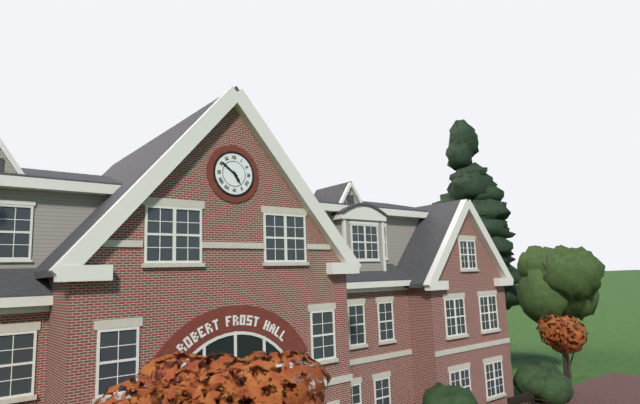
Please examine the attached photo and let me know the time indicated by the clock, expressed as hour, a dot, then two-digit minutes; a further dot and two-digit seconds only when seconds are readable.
4.51
